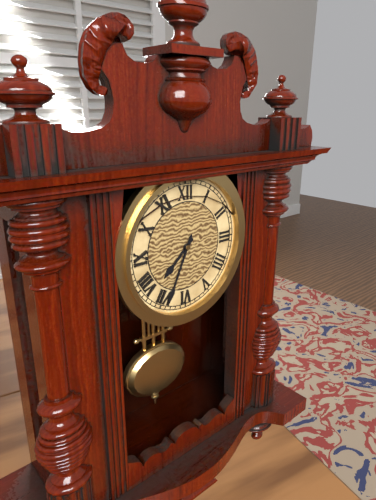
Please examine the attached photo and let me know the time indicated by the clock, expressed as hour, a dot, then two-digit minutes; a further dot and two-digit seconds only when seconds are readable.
7.34
